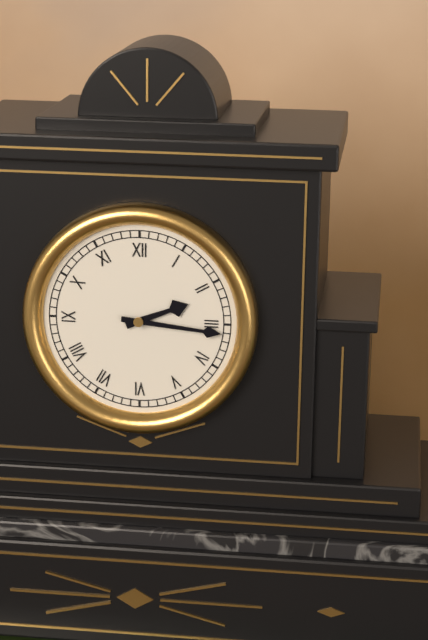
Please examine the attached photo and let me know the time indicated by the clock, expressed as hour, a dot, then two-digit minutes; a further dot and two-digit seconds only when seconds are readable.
2.16
